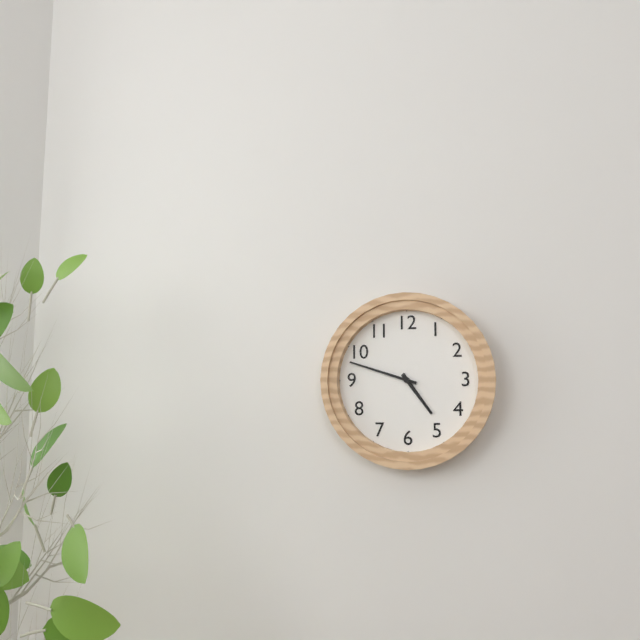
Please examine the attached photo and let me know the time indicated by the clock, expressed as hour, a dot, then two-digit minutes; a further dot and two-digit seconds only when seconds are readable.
4.48
